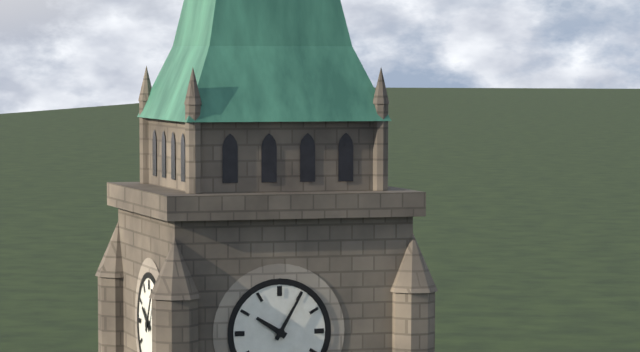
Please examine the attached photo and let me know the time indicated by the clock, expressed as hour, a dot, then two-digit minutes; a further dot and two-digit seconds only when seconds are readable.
10.05
